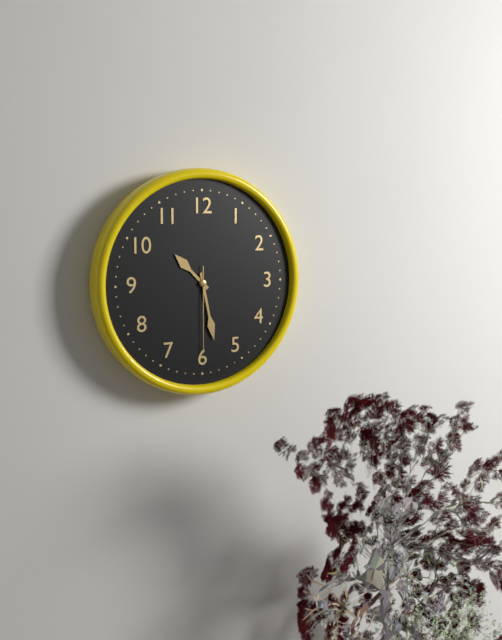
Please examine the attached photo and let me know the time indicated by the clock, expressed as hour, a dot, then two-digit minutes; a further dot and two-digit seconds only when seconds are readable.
10.28.30
